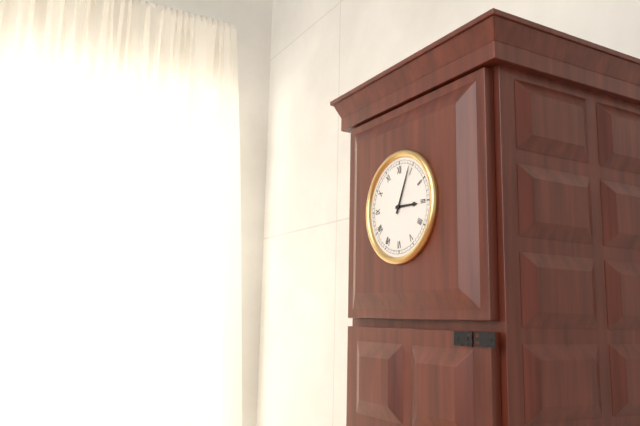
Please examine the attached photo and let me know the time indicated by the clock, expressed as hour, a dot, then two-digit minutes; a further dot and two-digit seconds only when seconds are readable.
3.04
